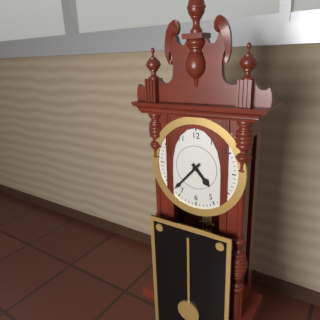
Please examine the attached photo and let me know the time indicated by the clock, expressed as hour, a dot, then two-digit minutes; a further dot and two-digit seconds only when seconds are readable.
4.37
